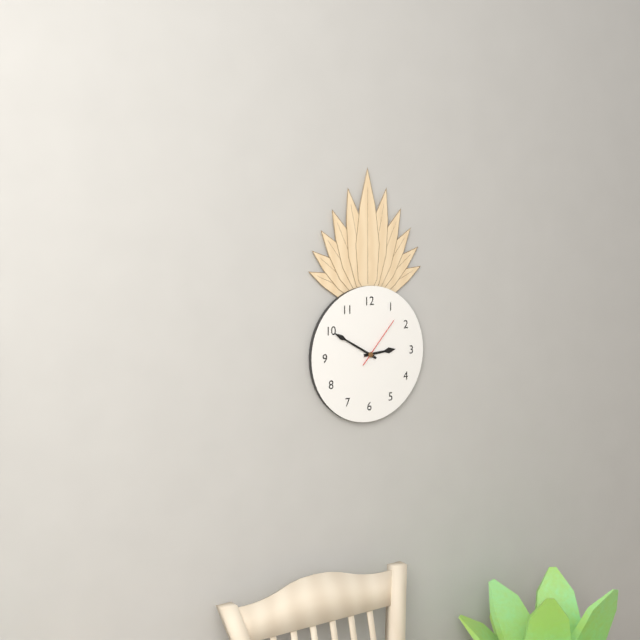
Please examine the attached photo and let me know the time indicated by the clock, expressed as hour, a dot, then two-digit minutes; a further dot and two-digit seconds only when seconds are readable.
2.50.07
